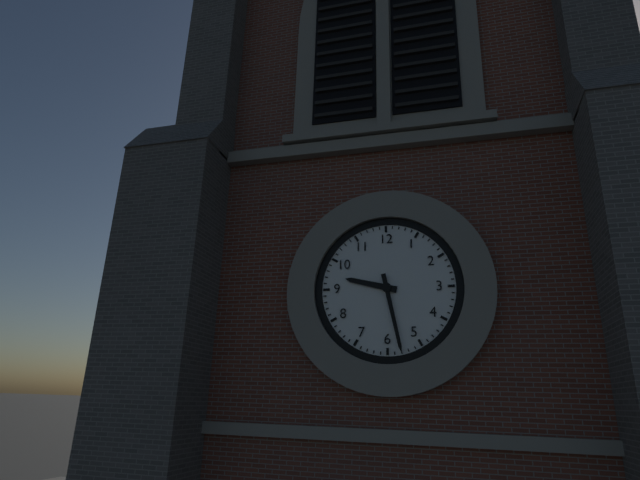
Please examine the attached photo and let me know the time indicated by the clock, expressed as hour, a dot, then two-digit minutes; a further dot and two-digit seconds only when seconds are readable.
9.28
